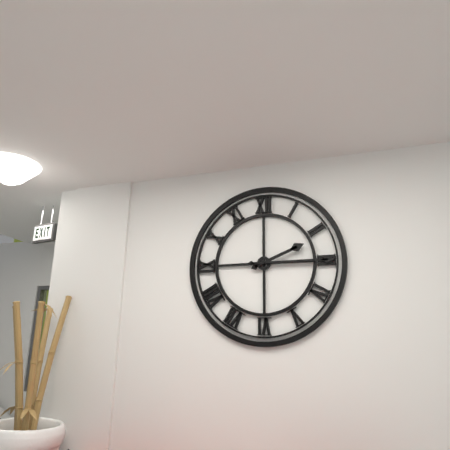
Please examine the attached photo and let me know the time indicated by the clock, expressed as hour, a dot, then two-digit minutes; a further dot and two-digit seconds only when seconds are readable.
2.15
